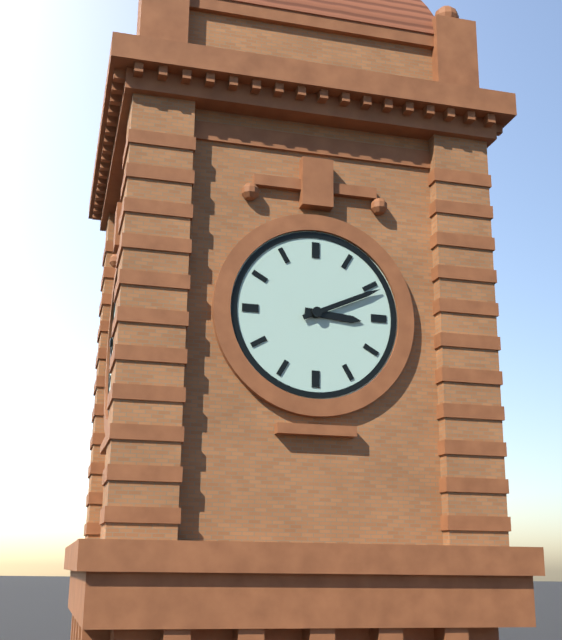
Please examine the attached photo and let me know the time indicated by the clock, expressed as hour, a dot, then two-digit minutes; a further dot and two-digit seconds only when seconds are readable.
3.11
